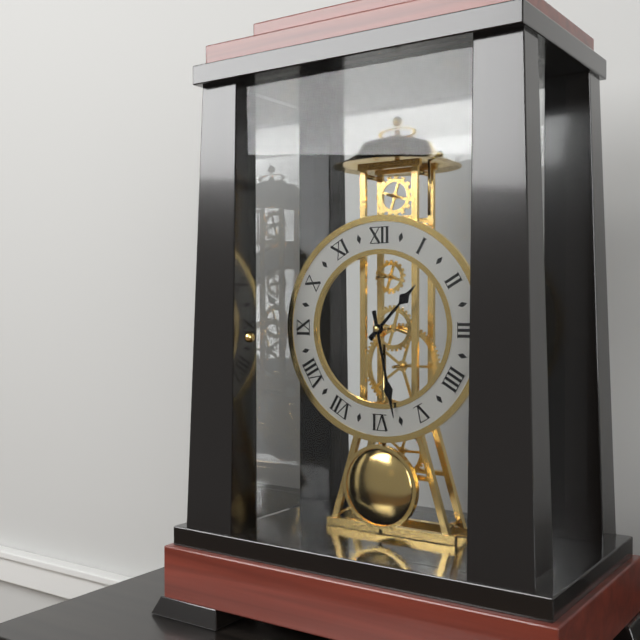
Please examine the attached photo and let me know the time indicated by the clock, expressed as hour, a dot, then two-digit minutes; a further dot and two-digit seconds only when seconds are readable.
1.28
